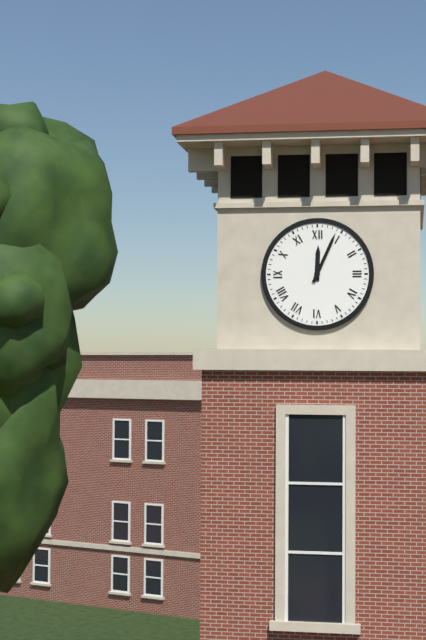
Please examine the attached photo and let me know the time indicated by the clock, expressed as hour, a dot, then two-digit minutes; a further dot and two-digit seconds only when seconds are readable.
12.04
